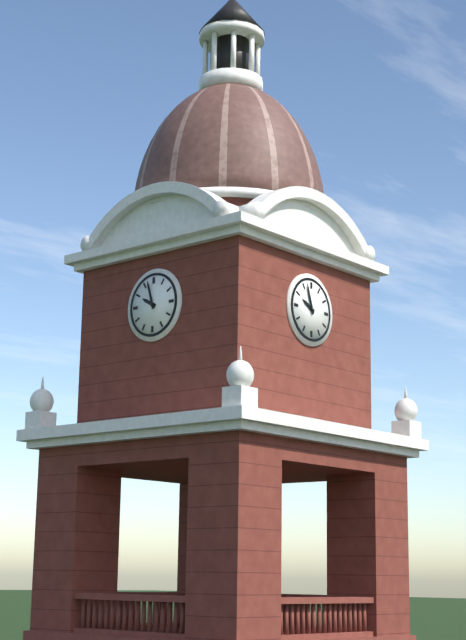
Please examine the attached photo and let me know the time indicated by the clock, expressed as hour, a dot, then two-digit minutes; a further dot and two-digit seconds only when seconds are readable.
9.57
